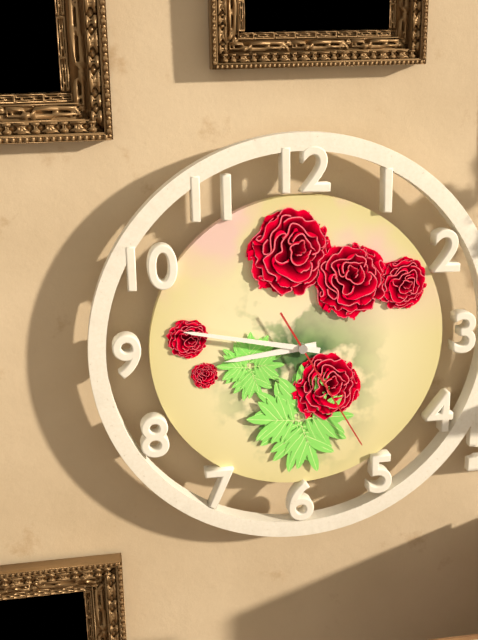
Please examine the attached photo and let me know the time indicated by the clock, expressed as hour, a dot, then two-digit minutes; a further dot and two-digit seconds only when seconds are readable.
8.47.25
